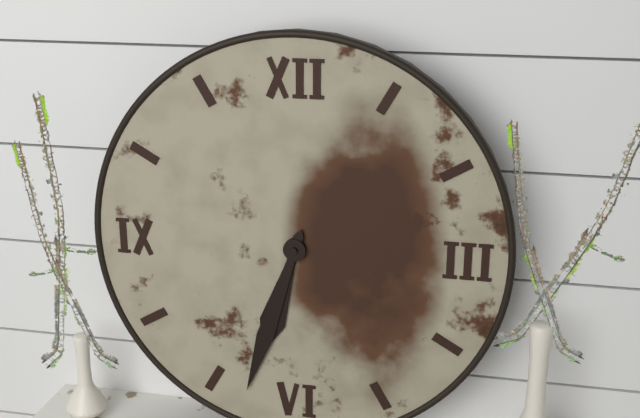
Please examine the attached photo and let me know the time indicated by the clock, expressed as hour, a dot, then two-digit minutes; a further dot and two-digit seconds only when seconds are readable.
6.33
